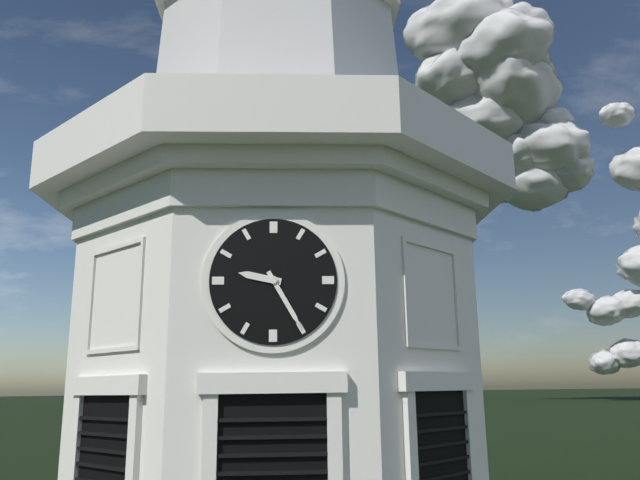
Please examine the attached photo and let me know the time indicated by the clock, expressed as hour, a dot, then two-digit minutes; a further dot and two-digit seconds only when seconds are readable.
9.25
